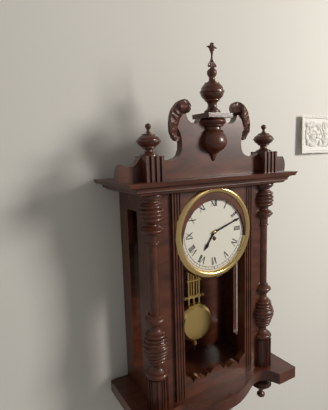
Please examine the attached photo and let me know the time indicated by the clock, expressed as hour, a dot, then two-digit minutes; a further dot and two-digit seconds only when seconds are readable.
7.12
